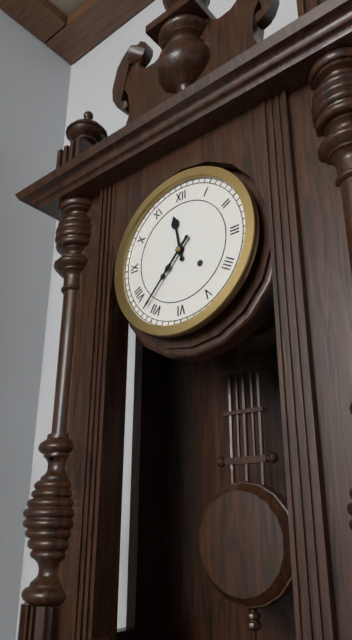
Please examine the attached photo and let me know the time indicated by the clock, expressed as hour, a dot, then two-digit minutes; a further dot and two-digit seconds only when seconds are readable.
11.37
